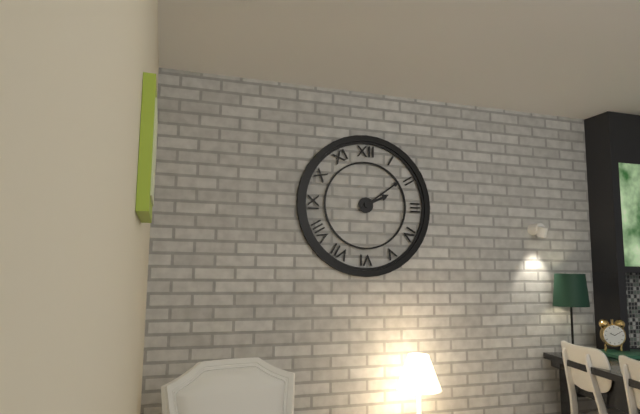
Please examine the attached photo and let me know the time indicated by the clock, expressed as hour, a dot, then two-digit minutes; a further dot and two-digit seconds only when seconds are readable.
2.09
